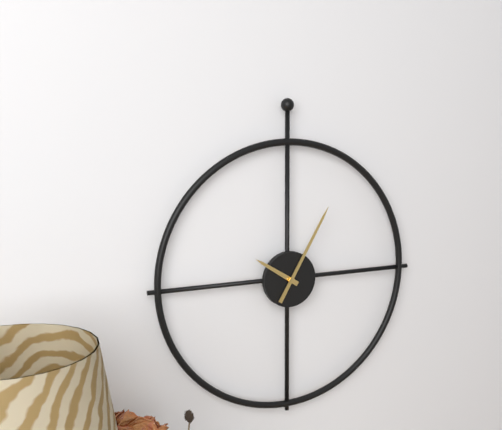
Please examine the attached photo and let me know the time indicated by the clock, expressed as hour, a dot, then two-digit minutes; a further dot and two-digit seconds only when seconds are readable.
10.05
